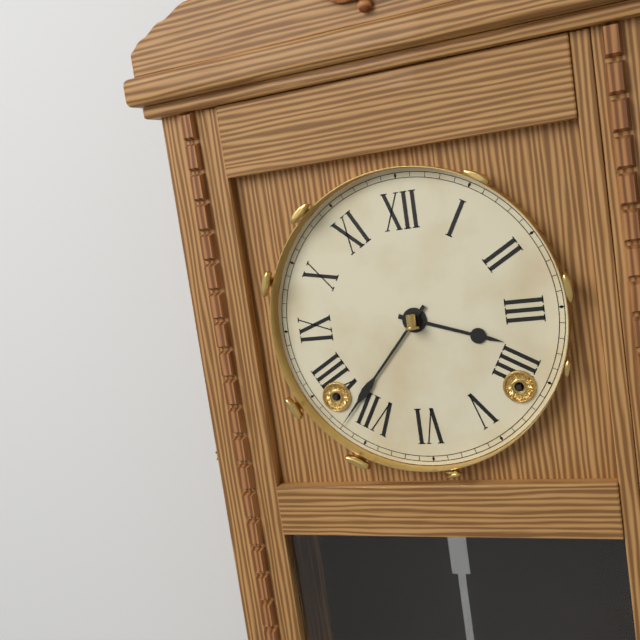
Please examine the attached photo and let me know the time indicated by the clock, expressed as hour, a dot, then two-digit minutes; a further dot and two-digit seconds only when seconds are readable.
3.37
